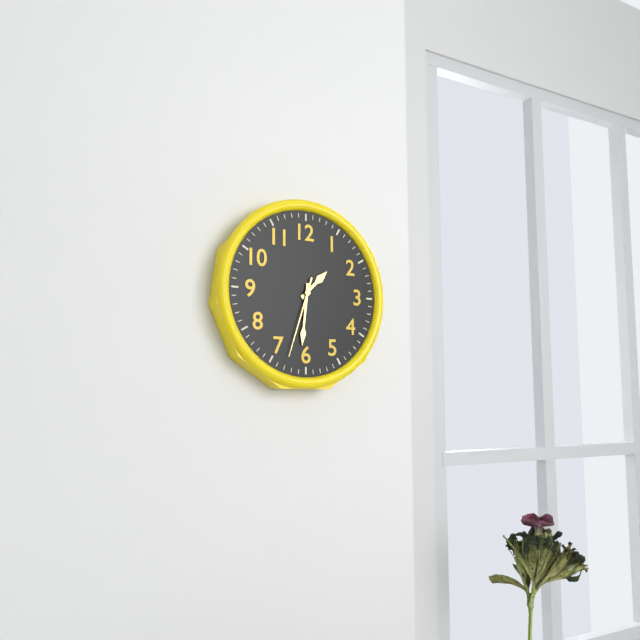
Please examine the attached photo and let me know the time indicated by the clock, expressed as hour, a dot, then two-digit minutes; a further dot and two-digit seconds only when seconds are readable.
1.31.33
